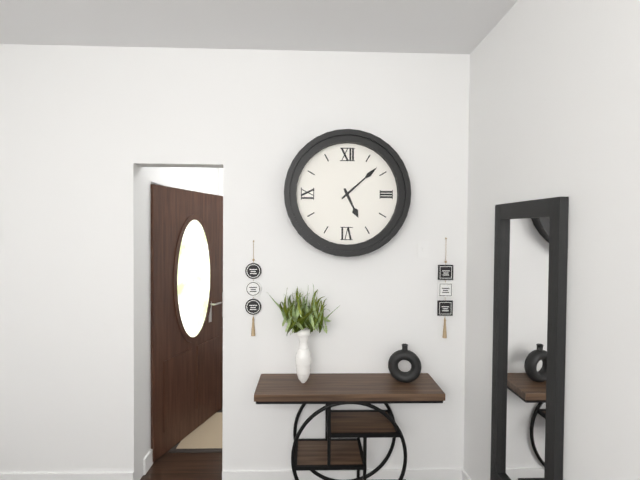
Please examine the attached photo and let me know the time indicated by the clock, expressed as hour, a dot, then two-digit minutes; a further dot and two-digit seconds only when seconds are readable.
5.08
